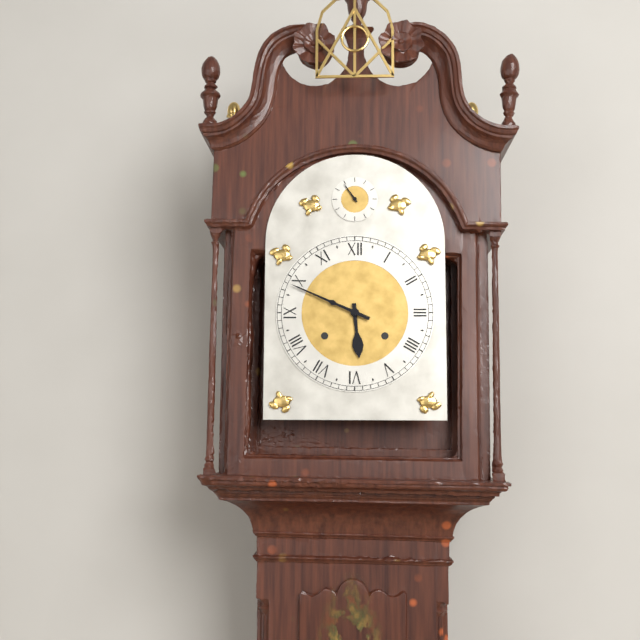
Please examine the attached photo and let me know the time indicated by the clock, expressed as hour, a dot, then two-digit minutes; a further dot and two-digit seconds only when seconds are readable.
5.49
